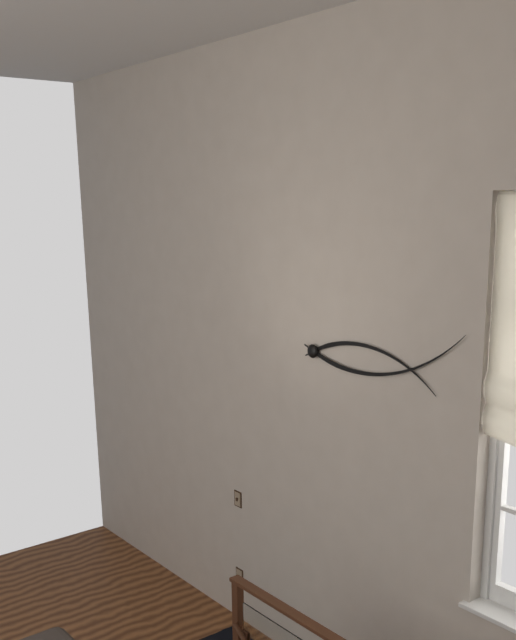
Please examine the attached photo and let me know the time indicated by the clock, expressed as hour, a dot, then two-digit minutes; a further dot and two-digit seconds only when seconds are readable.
3.13
